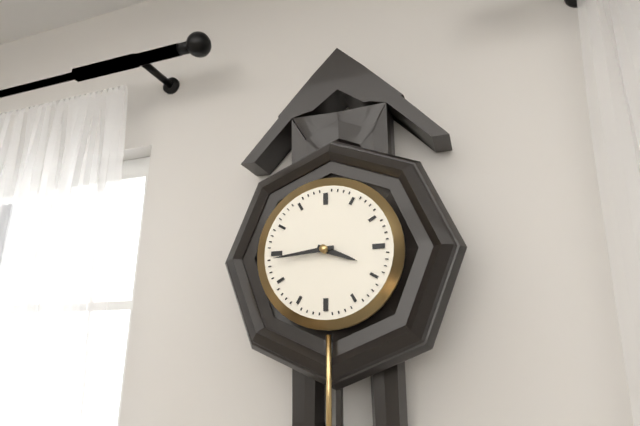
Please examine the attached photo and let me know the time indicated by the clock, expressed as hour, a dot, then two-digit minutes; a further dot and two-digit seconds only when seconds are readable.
3.44
